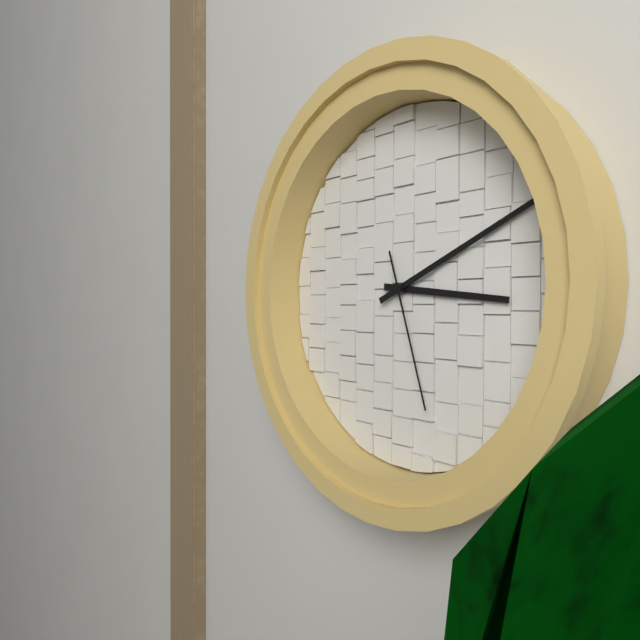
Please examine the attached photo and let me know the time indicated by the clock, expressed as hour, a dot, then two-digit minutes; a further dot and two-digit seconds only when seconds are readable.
3.11.27
